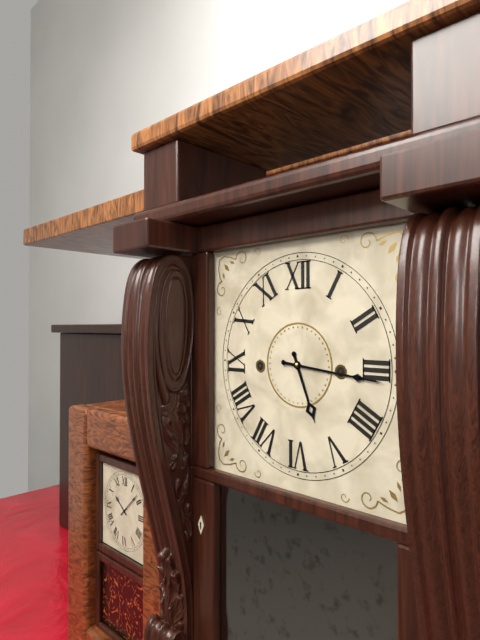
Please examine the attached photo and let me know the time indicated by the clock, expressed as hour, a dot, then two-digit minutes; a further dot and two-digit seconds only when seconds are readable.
5.16
